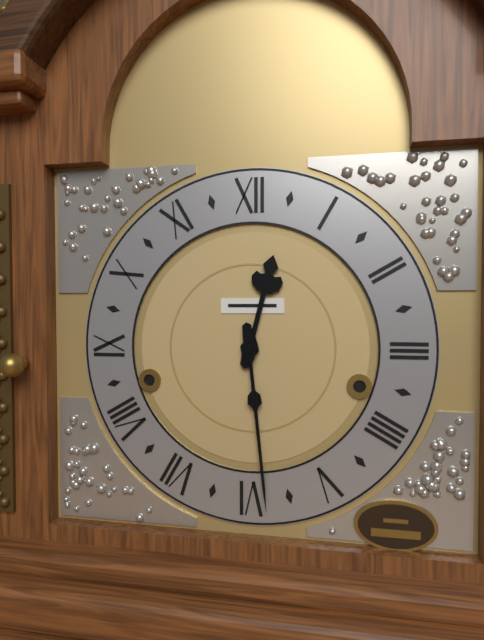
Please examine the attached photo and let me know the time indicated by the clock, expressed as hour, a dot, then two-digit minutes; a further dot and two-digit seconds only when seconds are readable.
12.29
